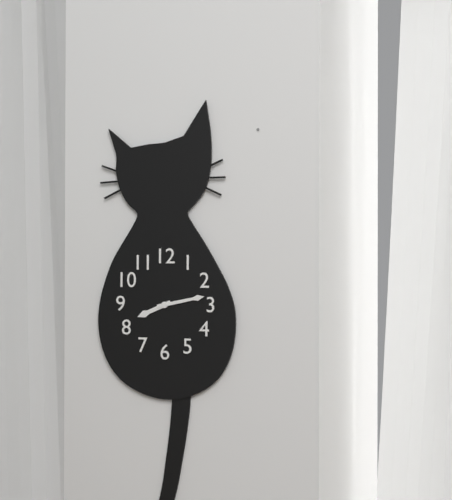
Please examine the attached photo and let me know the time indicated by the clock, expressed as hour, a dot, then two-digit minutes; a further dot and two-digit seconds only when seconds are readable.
8.13
